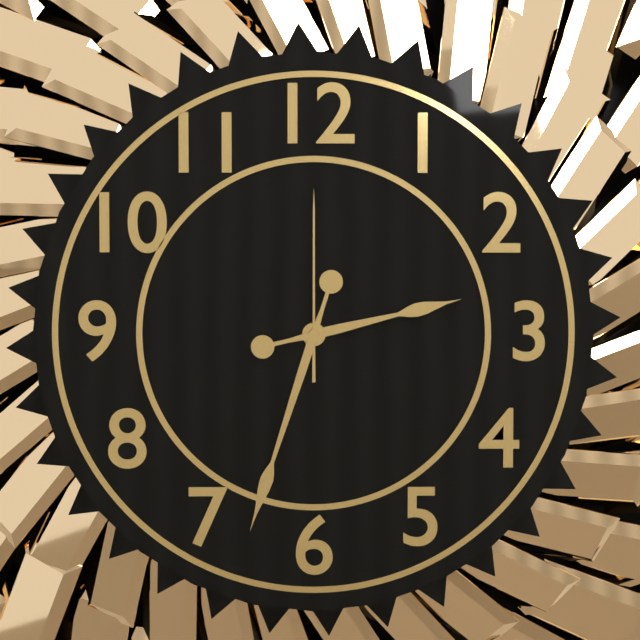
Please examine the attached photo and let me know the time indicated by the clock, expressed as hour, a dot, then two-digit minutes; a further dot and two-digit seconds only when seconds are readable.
2.33.00
